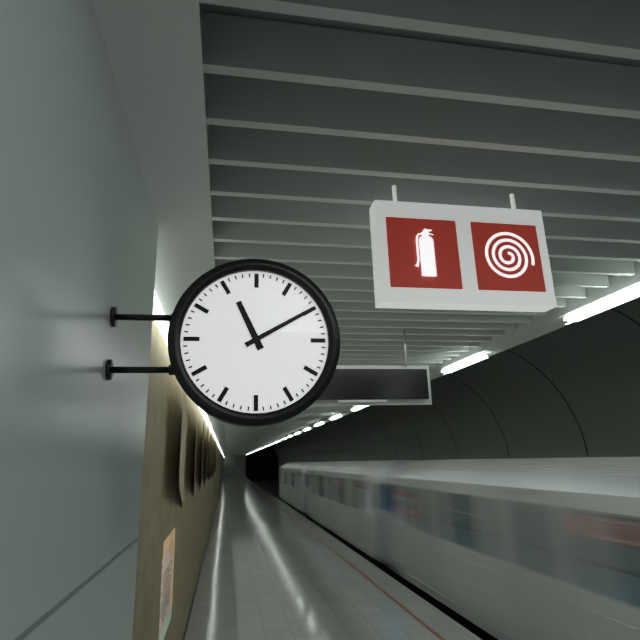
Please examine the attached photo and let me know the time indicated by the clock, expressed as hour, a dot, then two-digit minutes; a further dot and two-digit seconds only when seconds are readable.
11.10
